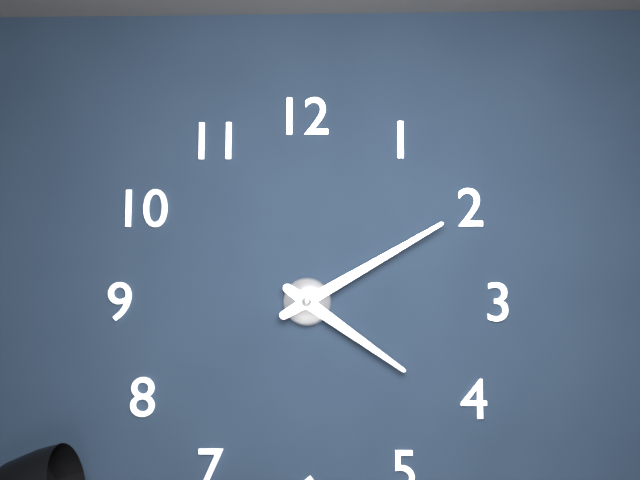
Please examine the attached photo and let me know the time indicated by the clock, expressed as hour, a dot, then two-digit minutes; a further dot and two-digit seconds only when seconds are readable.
4.10
